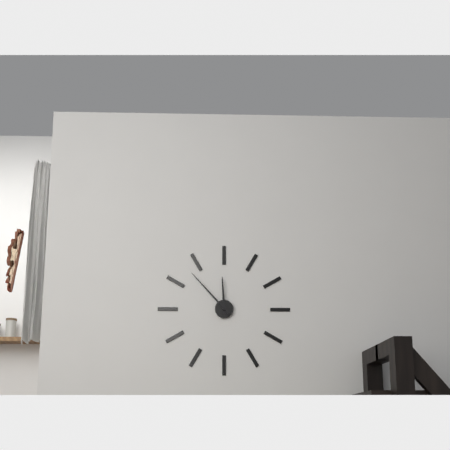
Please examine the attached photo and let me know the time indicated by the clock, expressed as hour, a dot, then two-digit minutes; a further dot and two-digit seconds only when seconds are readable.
11.53
